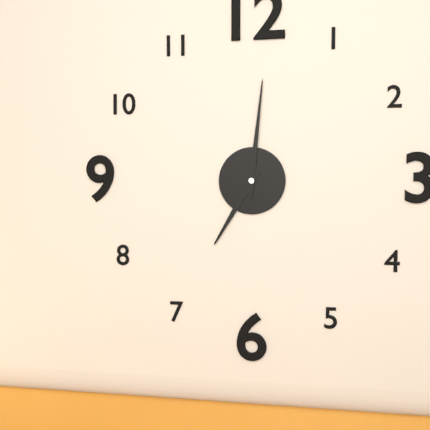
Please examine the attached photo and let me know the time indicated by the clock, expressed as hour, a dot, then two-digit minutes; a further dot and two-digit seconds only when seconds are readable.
7.01
